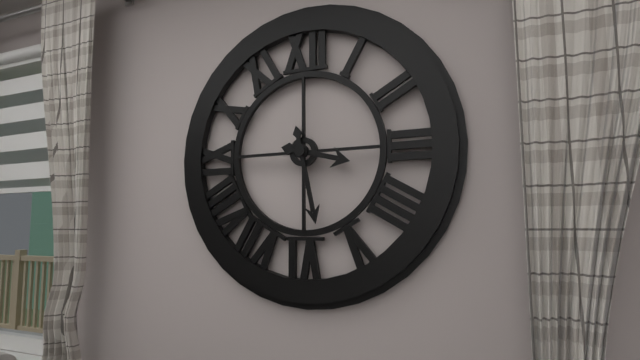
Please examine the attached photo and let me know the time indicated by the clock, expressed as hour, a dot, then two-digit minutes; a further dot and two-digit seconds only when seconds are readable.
3.28
